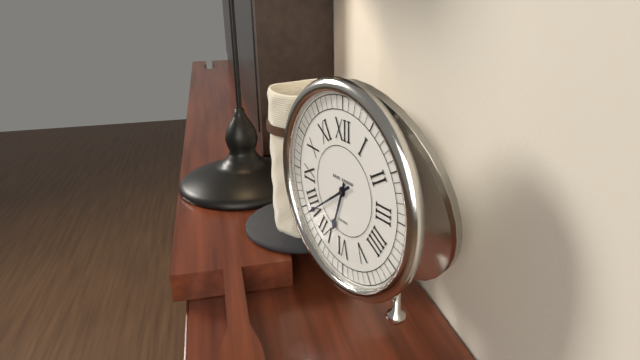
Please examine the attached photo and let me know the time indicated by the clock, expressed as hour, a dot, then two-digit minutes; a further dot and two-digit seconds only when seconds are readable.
6.39
